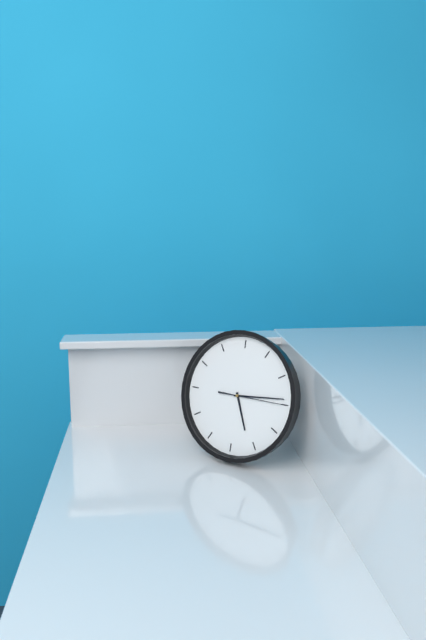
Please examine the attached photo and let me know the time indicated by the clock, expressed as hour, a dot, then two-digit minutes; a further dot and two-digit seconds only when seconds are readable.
5.14.15
